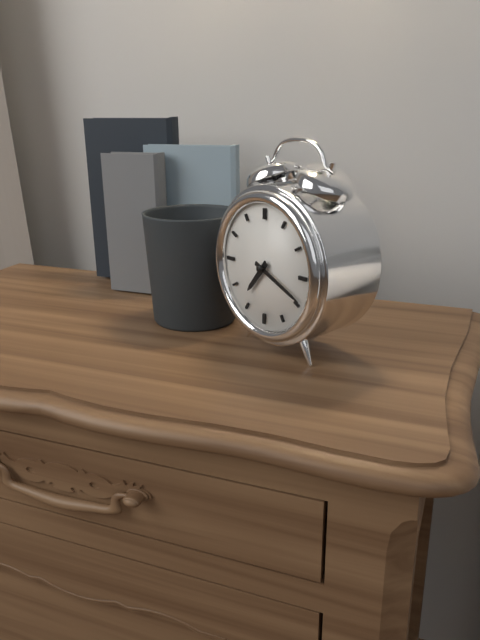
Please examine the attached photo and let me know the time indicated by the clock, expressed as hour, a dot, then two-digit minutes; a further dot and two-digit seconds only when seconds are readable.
7.19
